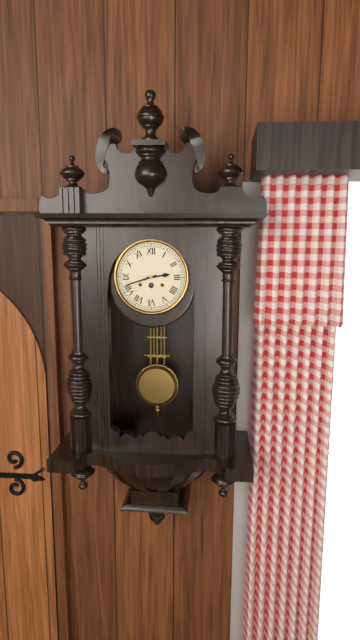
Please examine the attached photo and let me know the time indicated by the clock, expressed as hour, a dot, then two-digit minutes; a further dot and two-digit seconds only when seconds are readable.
2.42
